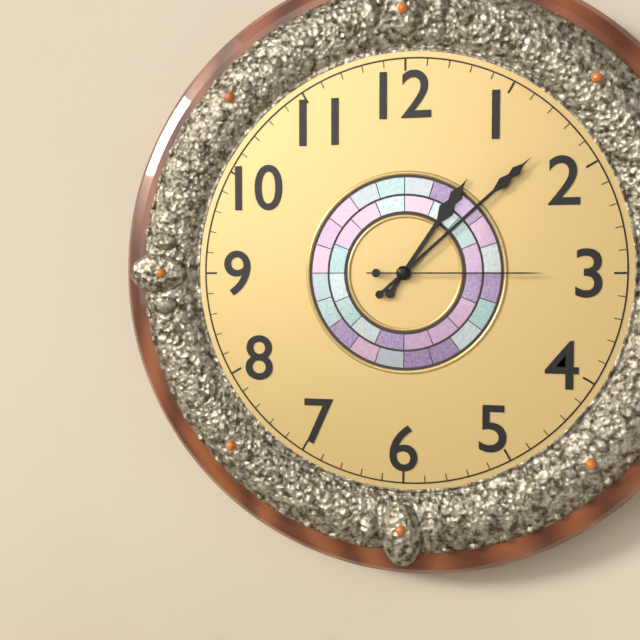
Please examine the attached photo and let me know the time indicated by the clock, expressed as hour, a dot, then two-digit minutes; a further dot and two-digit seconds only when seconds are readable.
1.08.15
